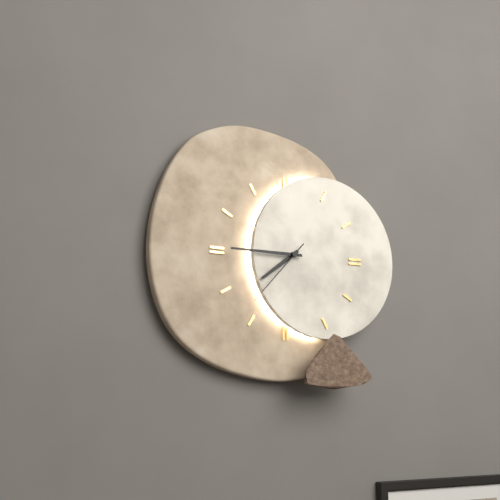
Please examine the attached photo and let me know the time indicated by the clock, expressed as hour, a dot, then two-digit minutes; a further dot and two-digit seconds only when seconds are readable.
7.45.37
